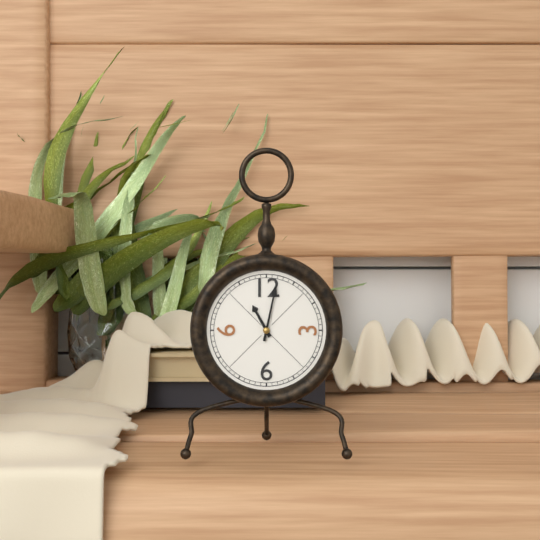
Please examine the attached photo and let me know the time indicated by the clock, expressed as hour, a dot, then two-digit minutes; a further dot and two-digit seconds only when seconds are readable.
11.02
